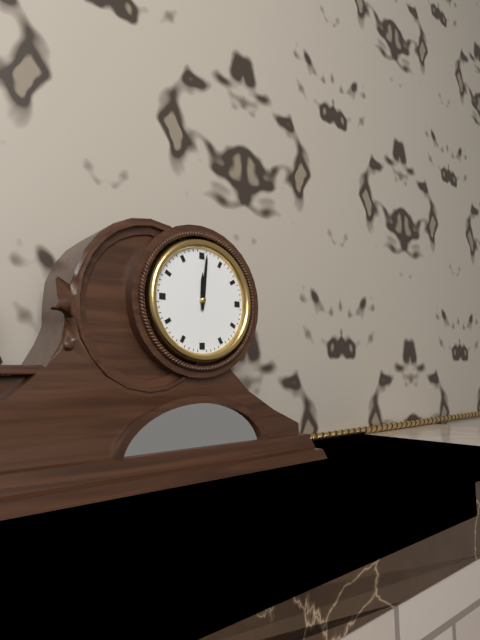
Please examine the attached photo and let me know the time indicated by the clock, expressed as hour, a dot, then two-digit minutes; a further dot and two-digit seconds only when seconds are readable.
12.01
